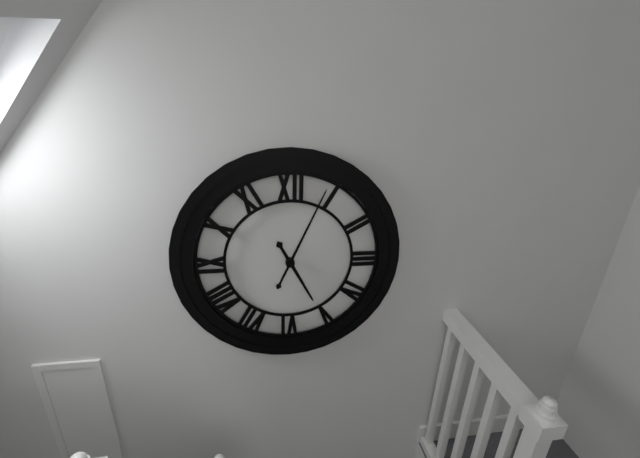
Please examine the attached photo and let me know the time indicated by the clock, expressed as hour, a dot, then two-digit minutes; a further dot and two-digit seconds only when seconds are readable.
5.04
